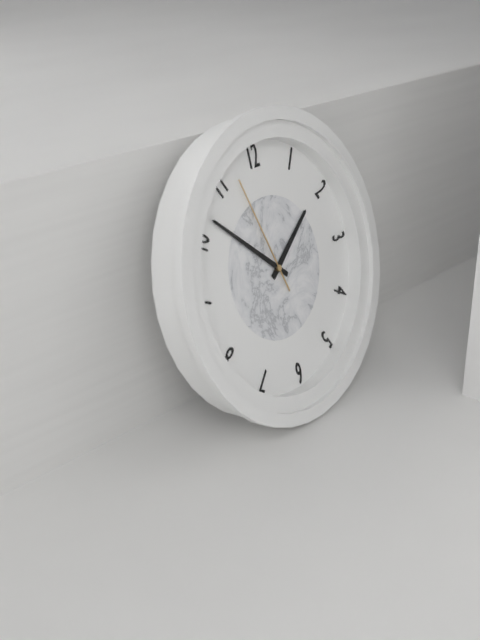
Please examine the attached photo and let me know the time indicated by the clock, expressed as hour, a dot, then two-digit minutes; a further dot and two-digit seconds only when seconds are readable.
1.52.57
